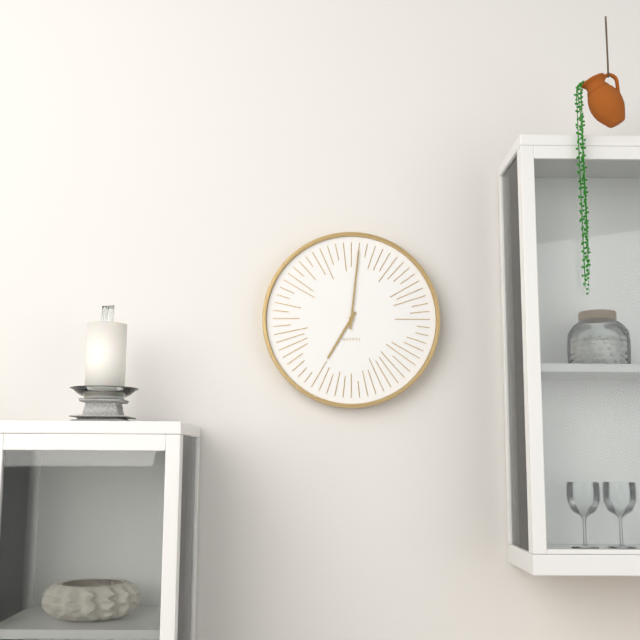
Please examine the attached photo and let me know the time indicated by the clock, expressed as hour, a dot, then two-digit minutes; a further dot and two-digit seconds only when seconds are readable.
7.01
